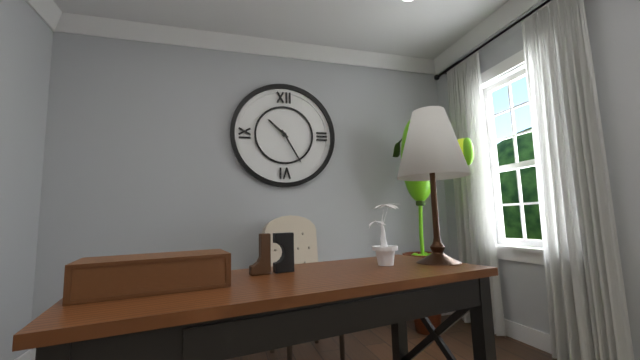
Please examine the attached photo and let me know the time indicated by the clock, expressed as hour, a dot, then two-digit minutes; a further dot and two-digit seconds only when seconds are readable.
10.25
